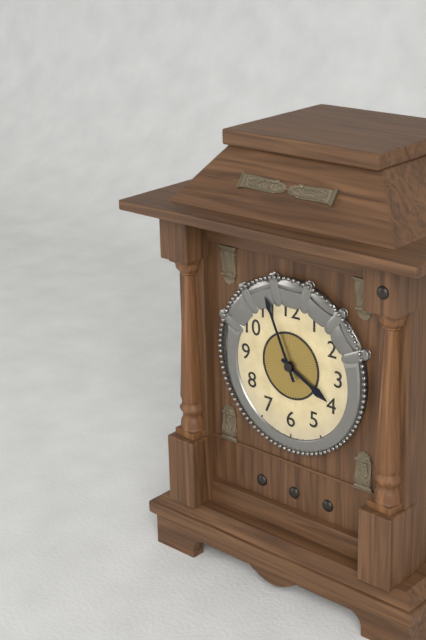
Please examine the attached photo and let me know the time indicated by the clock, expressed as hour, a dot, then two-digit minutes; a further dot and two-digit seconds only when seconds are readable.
3.56
